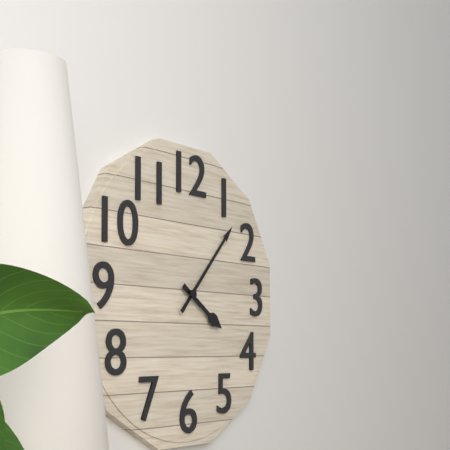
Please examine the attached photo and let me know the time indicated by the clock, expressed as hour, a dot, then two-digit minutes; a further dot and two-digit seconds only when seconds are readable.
4.07
